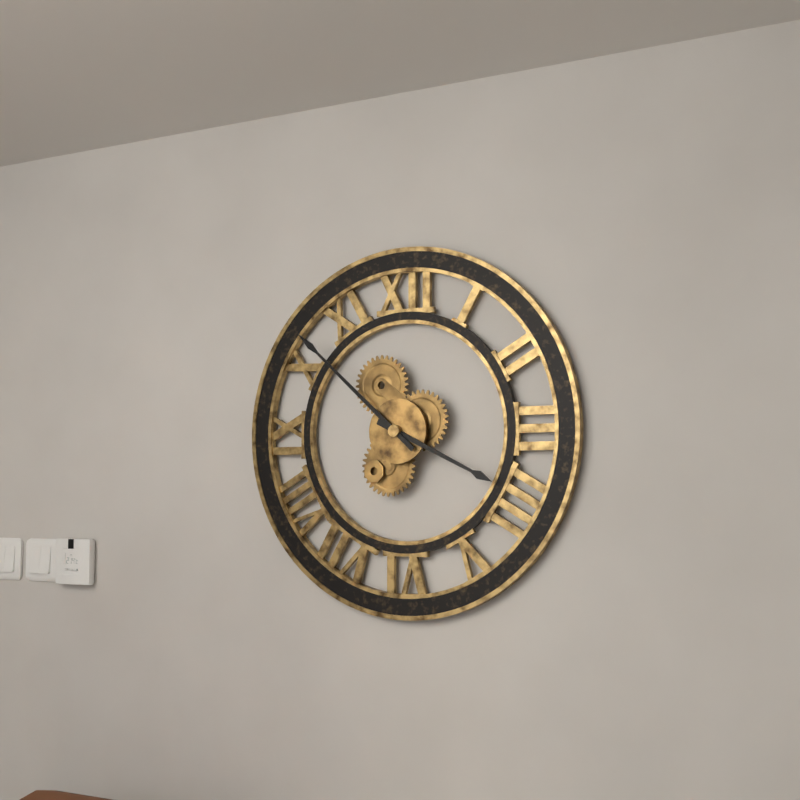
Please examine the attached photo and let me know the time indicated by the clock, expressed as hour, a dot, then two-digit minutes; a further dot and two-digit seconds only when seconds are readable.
3.52
